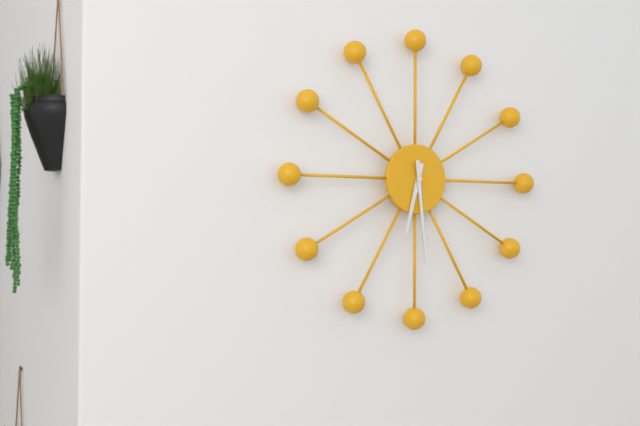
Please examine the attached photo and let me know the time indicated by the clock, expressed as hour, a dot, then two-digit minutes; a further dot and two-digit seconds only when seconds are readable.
6.29
